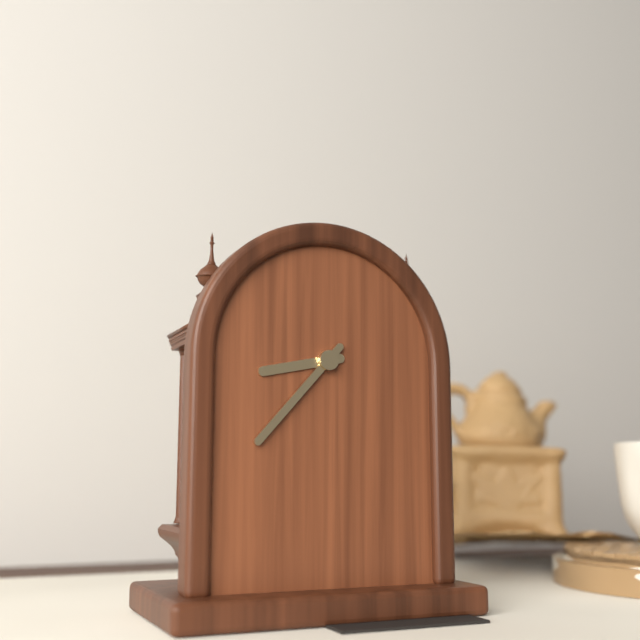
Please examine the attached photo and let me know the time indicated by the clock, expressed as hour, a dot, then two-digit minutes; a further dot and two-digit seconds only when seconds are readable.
8.37
